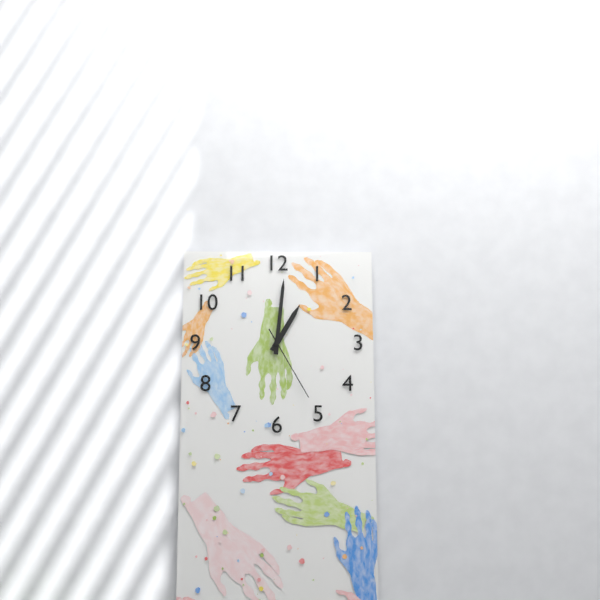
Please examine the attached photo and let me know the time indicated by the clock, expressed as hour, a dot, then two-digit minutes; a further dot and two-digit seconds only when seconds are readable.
1.01.25
